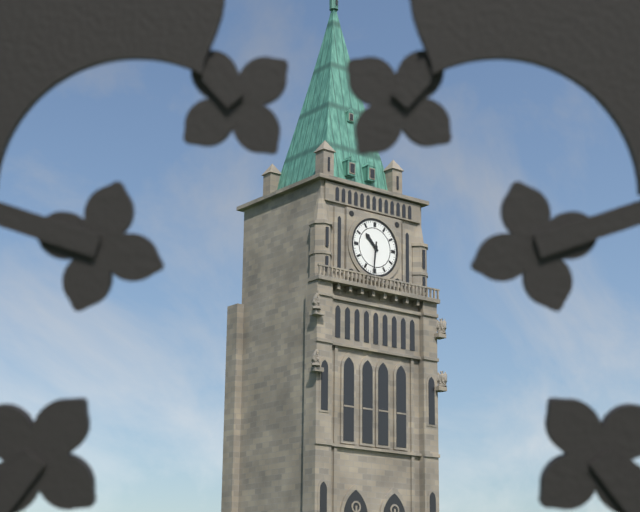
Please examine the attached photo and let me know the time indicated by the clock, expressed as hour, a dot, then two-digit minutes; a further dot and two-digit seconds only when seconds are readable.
10.31
